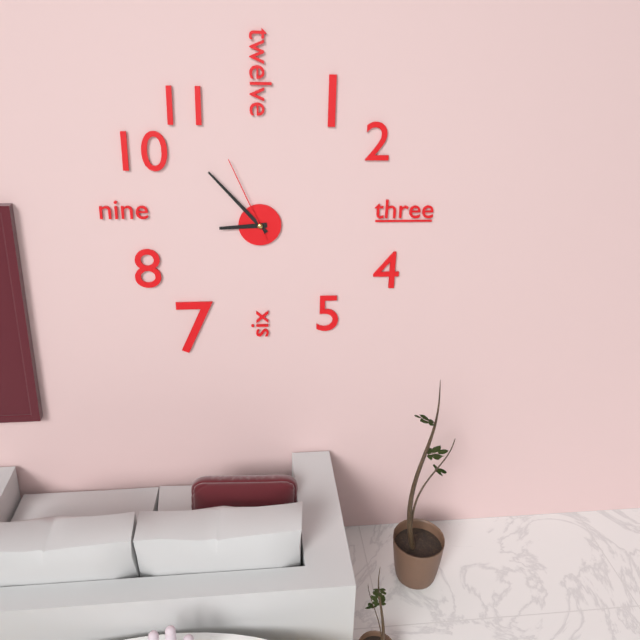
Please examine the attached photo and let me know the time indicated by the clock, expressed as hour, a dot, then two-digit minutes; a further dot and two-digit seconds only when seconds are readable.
8.53.56
